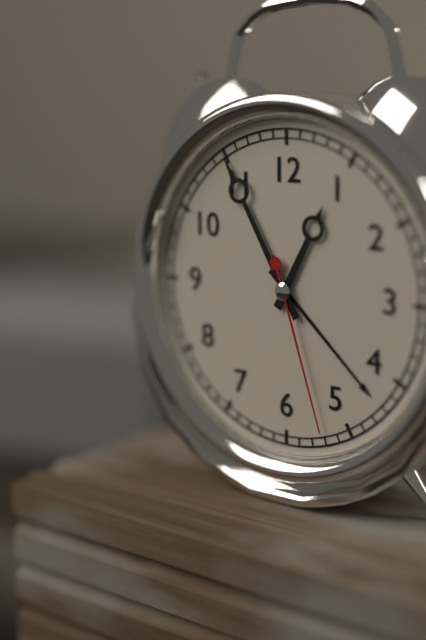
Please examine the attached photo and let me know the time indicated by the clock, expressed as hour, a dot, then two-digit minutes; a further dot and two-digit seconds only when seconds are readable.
12.55.27
